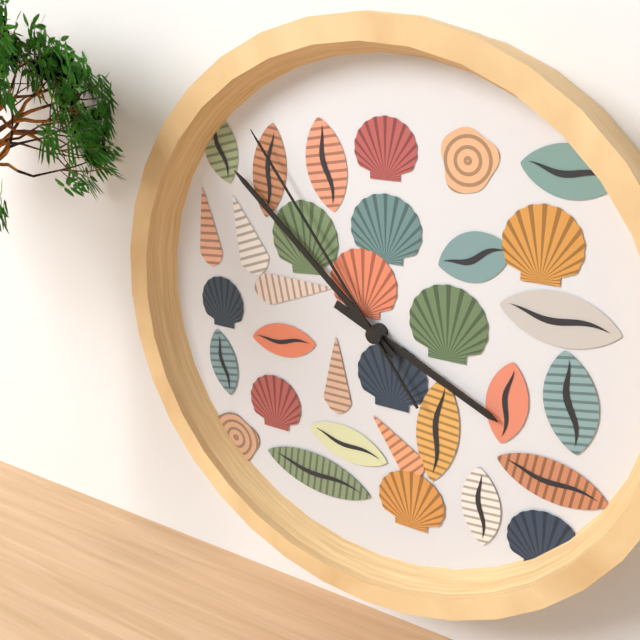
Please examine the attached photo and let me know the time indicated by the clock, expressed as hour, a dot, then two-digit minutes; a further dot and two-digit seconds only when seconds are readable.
3.52.54
